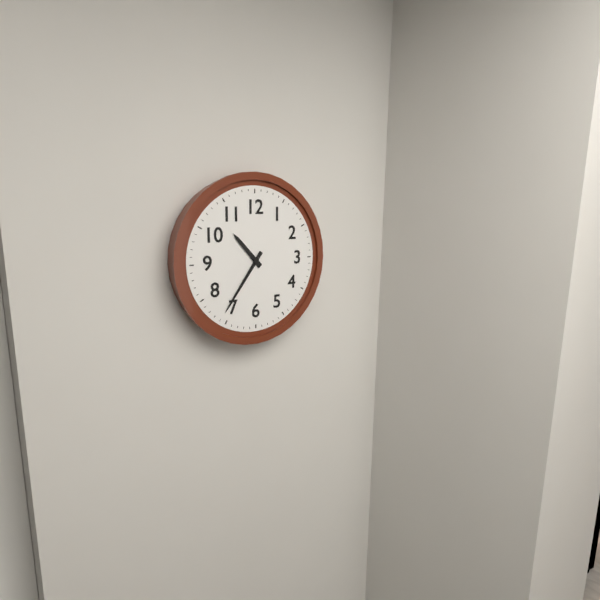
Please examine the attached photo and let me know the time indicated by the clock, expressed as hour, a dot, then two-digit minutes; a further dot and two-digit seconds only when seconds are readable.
10.36
